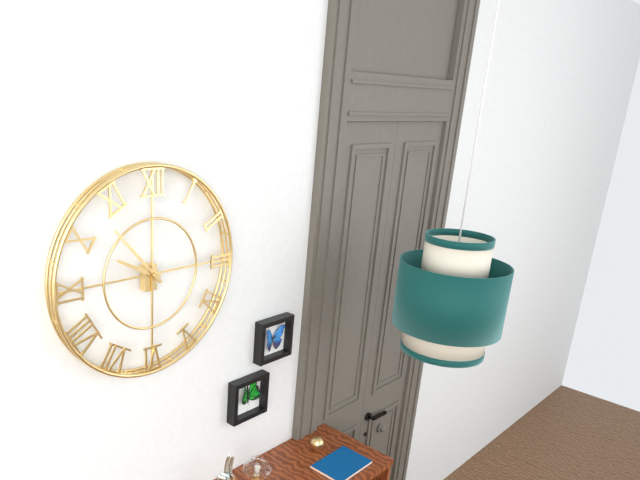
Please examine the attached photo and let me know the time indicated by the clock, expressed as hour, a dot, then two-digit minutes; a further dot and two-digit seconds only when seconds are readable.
9.53
